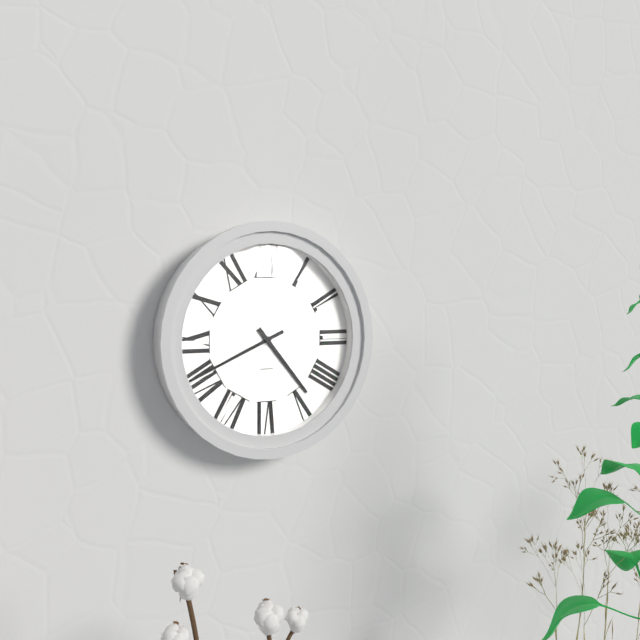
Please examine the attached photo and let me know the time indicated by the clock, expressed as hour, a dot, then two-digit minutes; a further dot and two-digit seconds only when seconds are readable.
4.41
